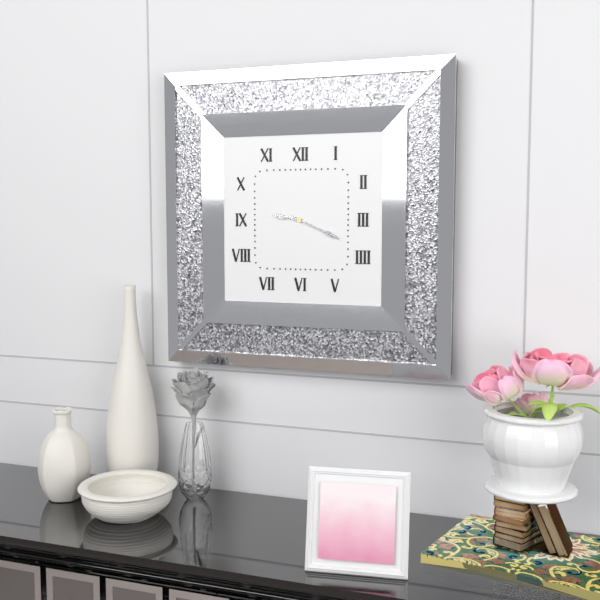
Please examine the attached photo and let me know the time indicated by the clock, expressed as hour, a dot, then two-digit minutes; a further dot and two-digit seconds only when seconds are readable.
9.19
